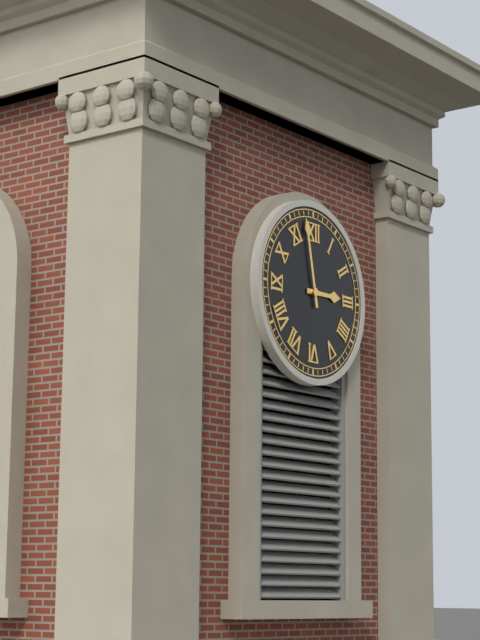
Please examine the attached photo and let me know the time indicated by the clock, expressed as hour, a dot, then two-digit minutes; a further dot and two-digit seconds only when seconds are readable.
2.58
